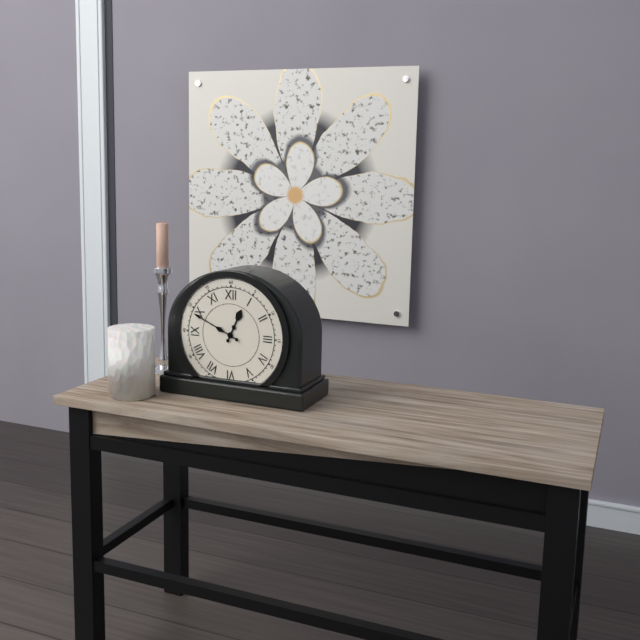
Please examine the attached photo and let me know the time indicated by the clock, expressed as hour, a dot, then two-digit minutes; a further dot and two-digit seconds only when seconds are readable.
12.49
